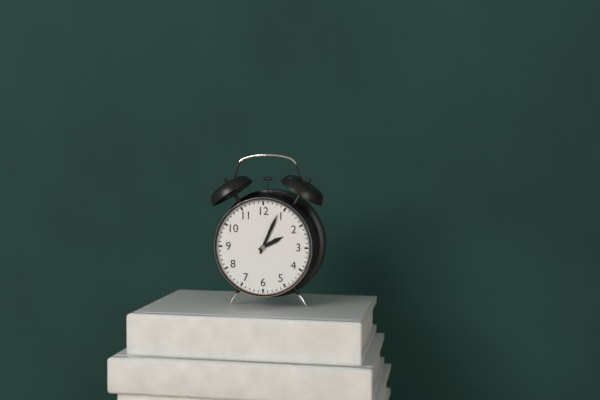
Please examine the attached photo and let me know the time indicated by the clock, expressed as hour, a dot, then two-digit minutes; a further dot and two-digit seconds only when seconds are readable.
2.04
